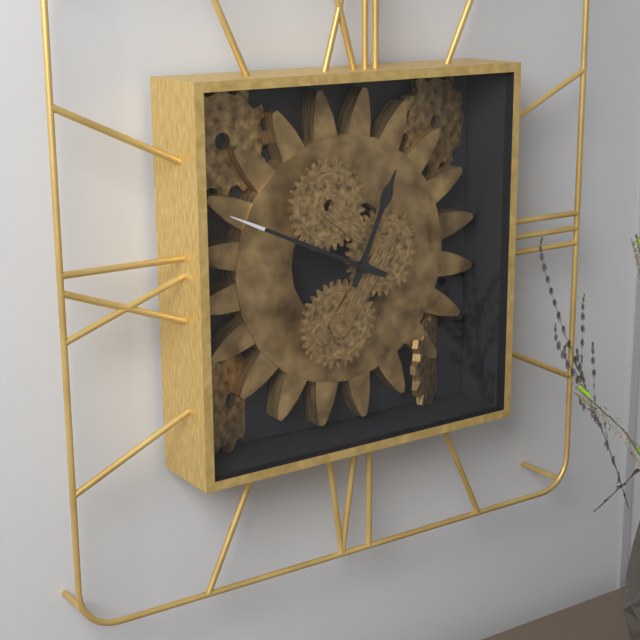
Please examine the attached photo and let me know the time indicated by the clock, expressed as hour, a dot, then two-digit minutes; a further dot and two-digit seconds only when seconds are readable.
12.49
